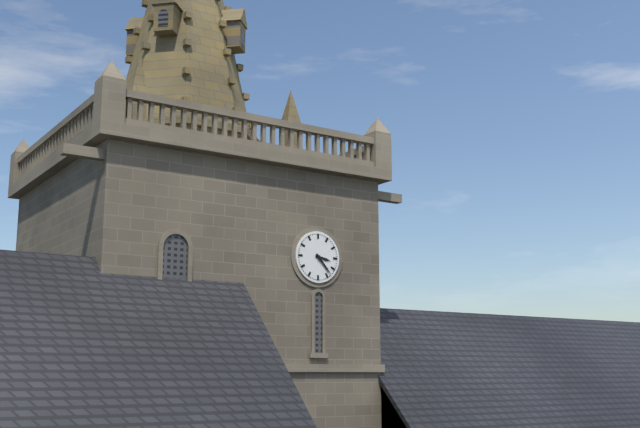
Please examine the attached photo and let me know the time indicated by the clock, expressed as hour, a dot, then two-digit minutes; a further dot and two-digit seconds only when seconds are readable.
3.23
